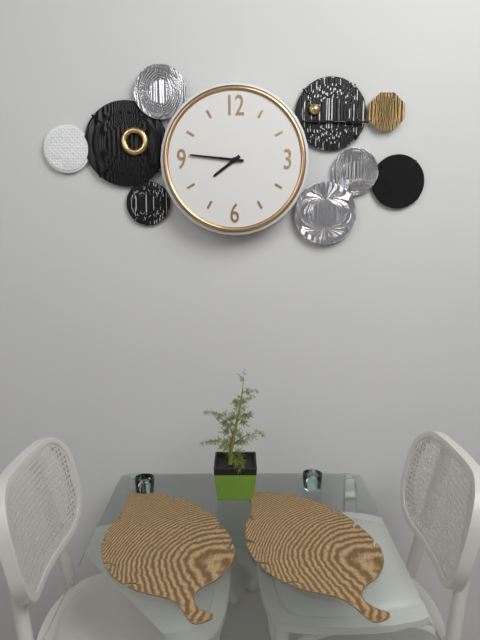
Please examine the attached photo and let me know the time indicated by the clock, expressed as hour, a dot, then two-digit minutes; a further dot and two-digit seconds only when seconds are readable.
7.46
